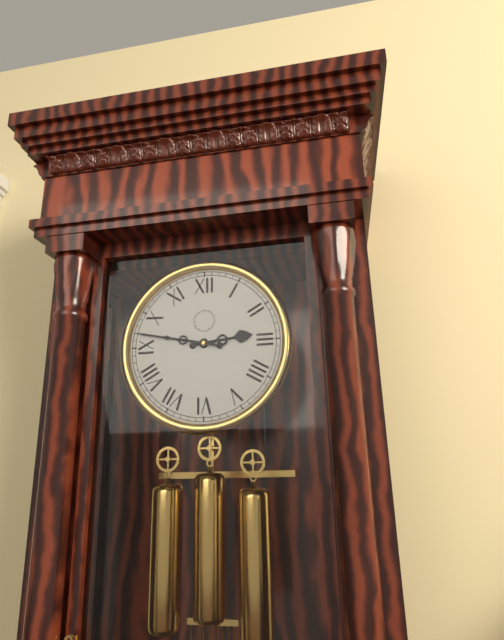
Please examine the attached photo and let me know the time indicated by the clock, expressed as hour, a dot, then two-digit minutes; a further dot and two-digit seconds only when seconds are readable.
2.47
